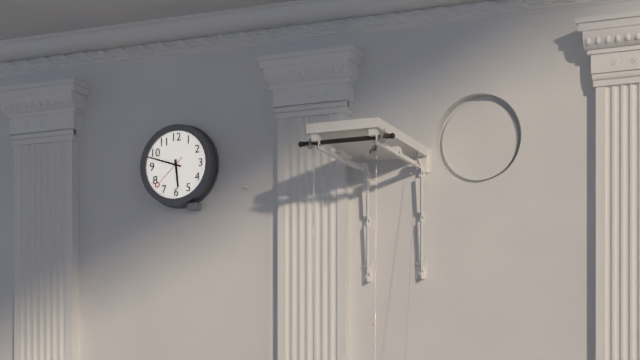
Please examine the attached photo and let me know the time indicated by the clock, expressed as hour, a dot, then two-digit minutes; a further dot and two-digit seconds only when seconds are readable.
5.48
